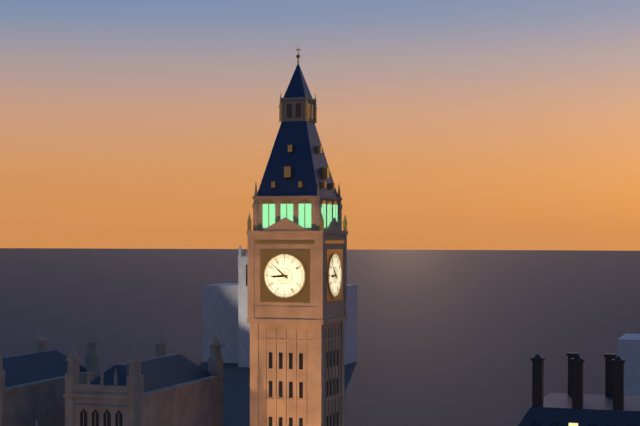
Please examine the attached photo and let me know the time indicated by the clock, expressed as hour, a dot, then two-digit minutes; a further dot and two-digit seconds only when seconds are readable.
8.52
